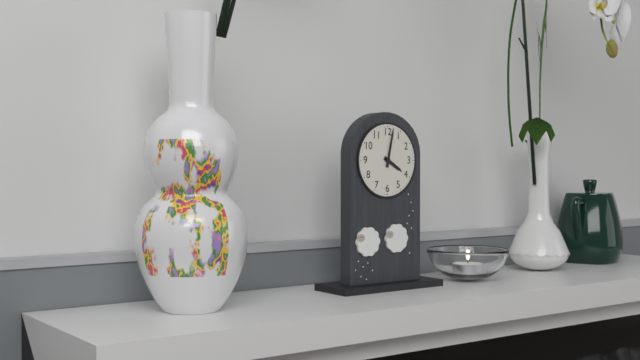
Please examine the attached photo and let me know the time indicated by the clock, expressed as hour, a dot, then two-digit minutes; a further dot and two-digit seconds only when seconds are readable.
4.02
